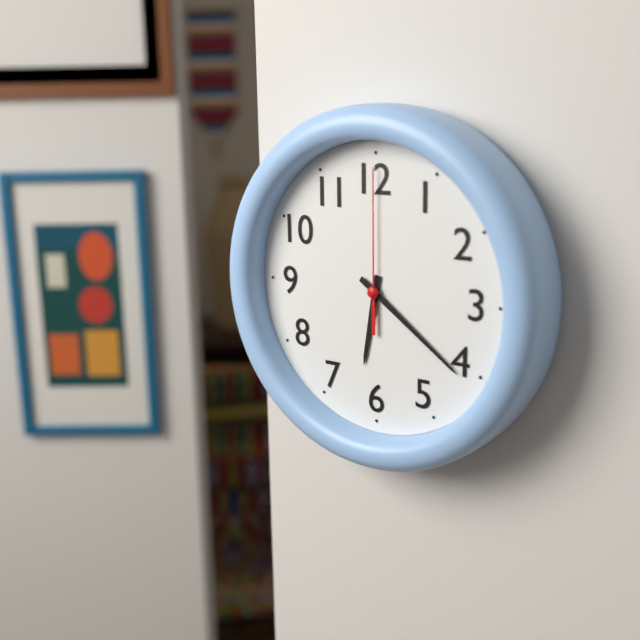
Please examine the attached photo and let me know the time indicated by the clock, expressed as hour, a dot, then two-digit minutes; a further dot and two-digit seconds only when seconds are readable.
6.21.00
